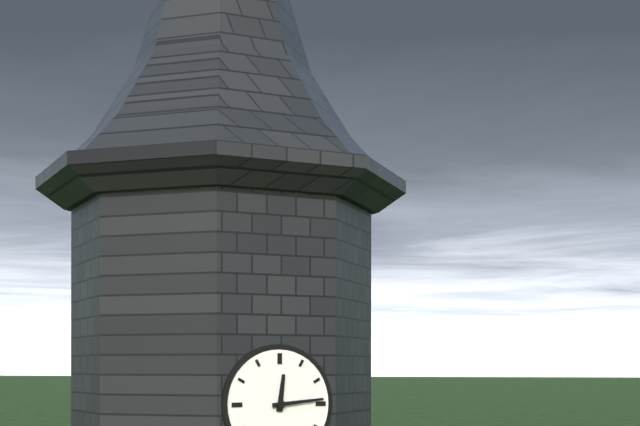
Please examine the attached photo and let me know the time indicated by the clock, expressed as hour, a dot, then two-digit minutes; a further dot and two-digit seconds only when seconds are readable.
12.14
